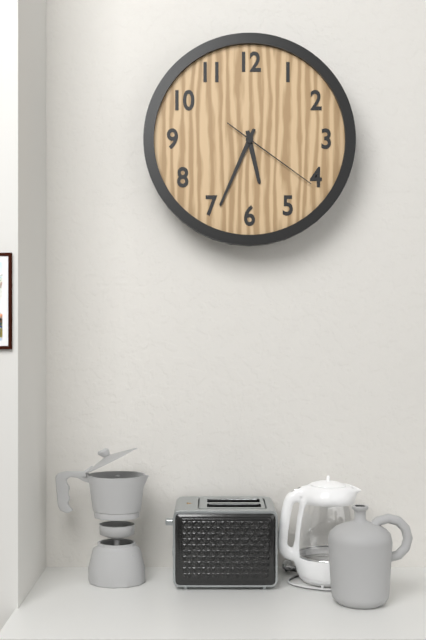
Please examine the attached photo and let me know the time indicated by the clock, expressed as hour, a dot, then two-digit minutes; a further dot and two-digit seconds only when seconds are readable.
5.34.21
